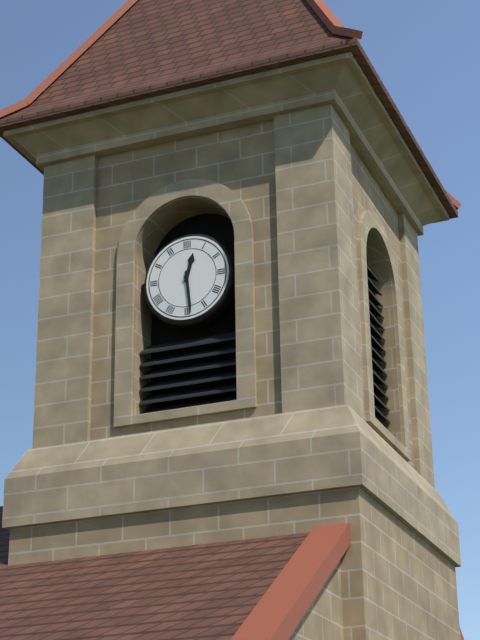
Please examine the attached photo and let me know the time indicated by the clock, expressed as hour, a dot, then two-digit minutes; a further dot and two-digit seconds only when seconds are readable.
12.29
